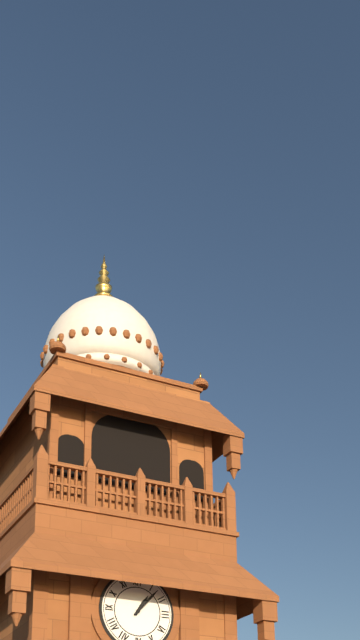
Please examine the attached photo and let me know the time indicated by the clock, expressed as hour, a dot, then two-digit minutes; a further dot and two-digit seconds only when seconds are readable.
1.07
